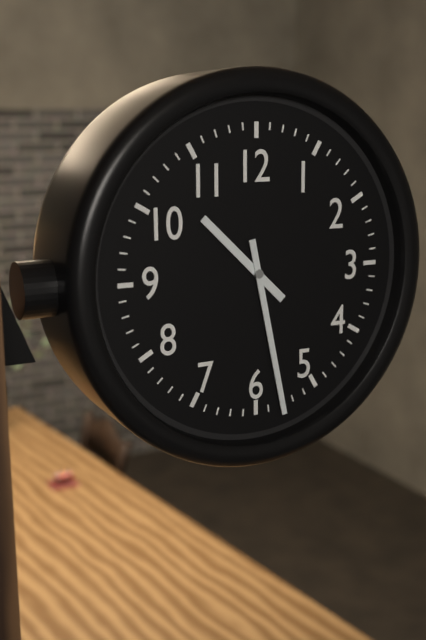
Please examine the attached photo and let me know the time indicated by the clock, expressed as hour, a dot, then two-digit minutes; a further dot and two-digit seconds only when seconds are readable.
10.28
